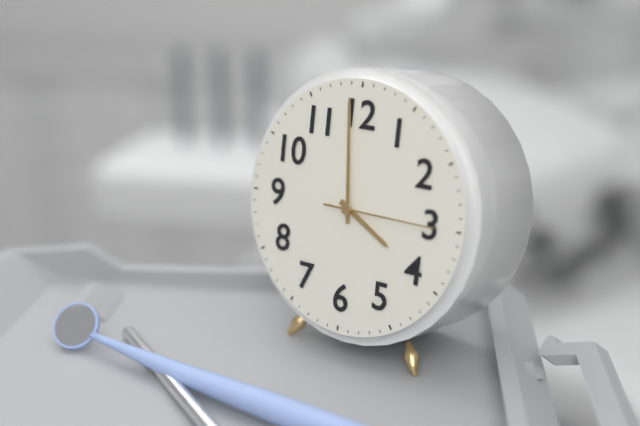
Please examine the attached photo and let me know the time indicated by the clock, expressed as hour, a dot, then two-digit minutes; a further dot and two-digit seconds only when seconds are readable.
3.59.15
